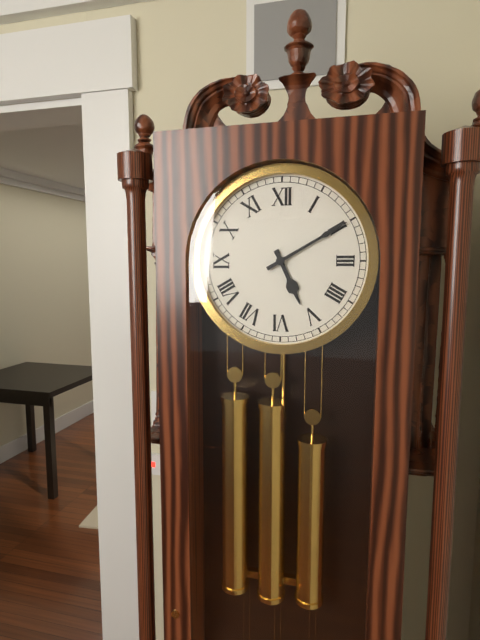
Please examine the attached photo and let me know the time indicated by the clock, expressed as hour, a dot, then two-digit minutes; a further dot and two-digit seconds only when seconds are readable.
5.10
